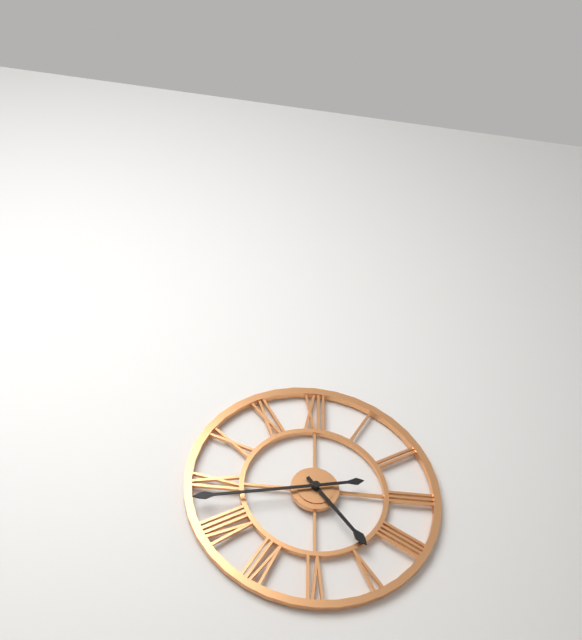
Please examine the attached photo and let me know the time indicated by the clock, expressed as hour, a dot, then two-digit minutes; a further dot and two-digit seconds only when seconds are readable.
4.43
